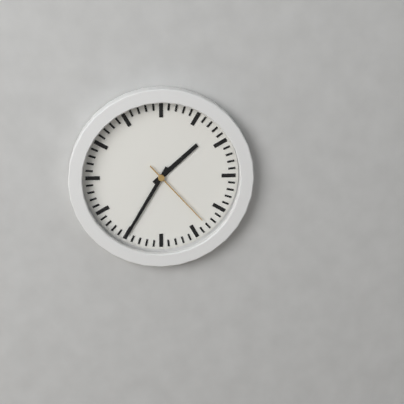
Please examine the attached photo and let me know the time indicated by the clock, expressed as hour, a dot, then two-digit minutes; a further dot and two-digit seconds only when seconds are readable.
1.35.23
